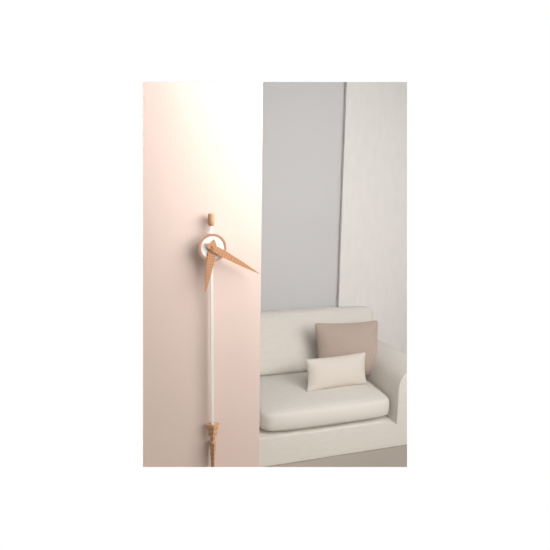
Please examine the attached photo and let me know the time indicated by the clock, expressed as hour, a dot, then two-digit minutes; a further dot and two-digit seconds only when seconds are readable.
6.20
